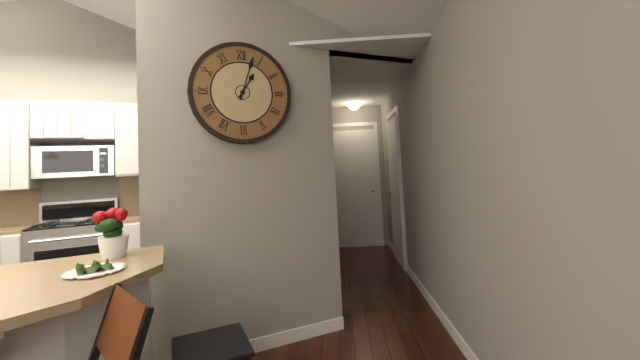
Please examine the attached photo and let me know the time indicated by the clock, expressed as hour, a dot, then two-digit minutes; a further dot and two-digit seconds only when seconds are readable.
1.03
